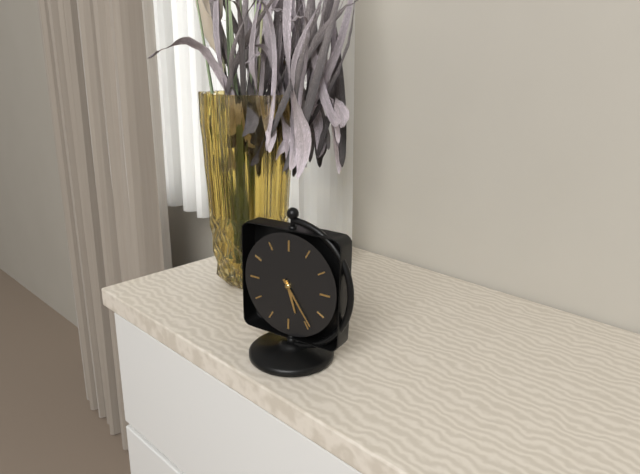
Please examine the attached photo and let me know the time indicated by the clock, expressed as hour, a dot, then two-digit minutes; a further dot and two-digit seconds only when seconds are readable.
5.24
